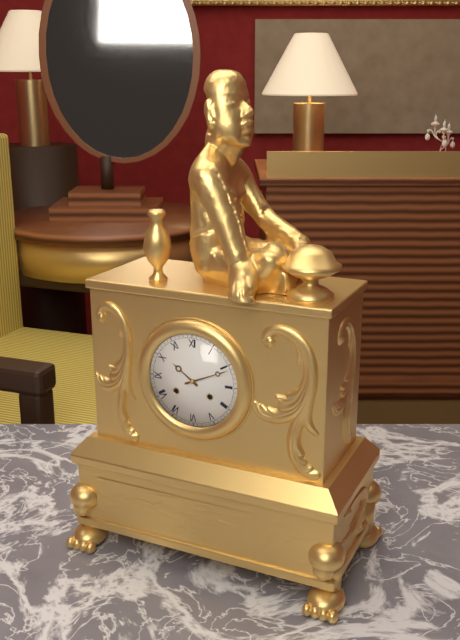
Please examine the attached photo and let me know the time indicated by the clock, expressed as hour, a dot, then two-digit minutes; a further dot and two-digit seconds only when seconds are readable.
10.11
